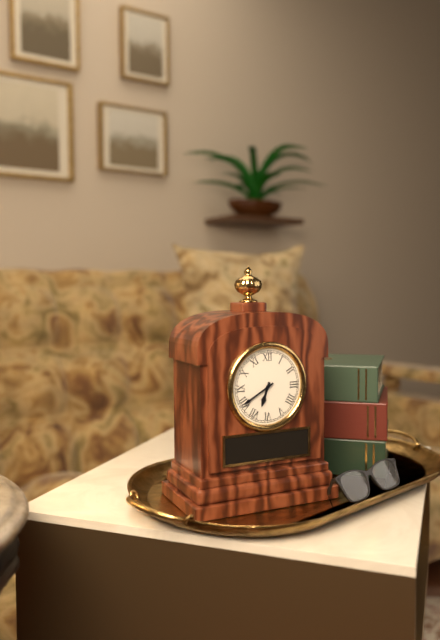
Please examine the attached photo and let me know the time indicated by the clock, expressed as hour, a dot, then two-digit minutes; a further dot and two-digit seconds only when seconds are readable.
6.40
